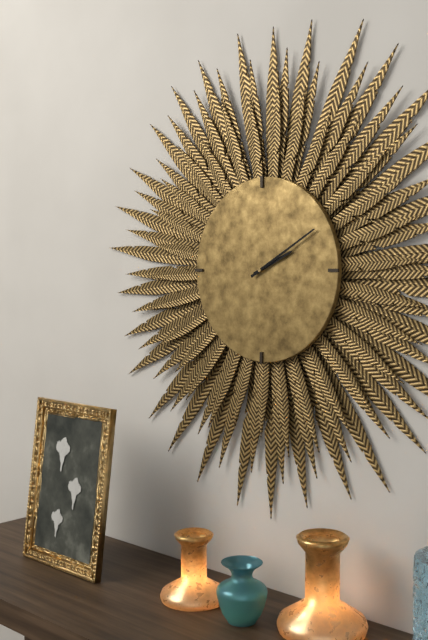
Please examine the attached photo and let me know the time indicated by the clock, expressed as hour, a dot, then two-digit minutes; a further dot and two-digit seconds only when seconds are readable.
2.10
